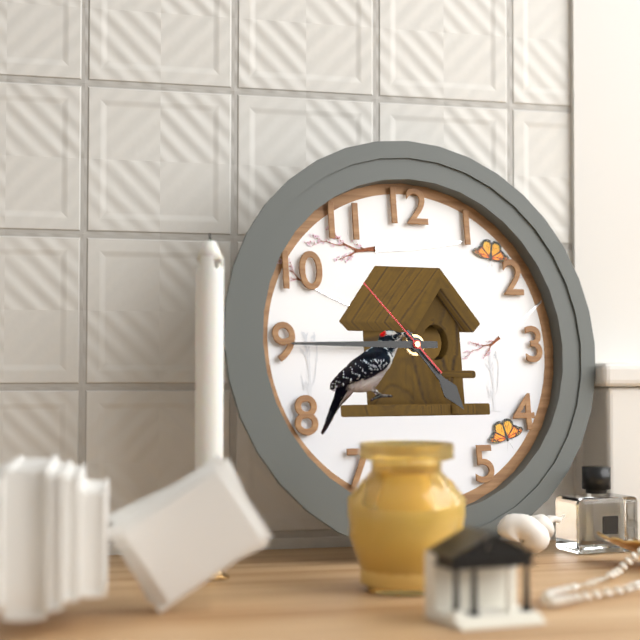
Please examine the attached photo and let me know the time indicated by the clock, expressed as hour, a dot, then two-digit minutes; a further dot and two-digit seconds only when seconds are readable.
4.45.53
